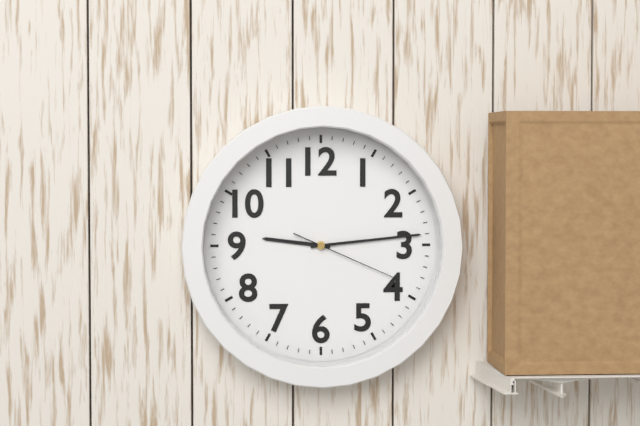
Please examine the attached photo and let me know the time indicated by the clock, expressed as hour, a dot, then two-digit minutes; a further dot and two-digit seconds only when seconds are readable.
9.14.19
